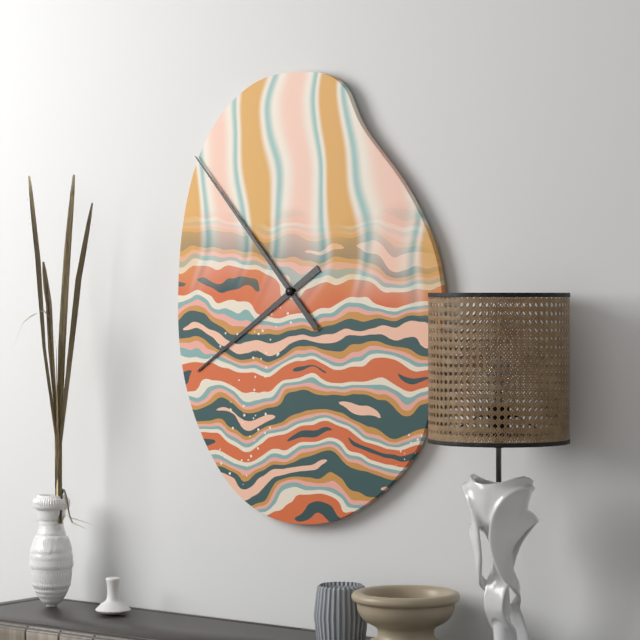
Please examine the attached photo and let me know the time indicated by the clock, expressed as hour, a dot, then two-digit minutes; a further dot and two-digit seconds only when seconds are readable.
7.53
